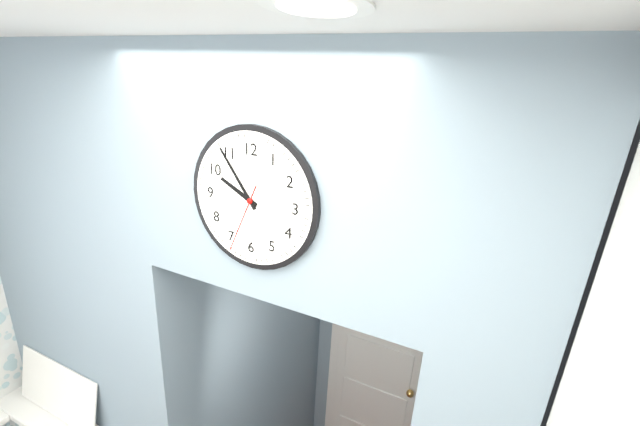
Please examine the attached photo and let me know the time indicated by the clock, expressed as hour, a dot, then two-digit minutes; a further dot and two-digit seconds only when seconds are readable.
9.54.34
